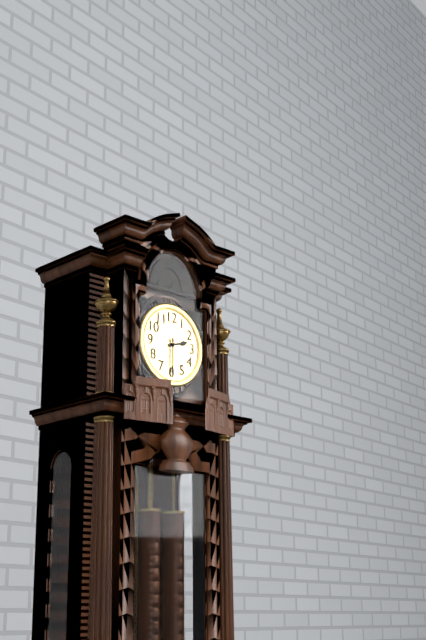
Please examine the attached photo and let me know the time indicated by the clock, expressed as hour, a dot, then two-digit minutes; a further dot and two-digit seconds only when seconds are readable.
2.30
